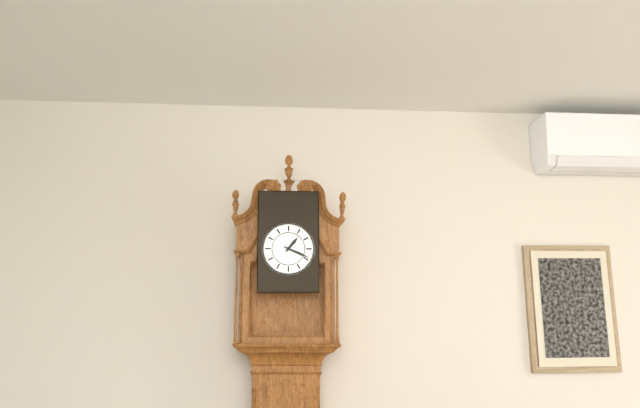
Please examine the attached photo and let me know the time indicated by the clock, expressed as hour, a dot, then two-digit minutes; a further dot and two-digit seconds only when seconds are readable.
1.19
